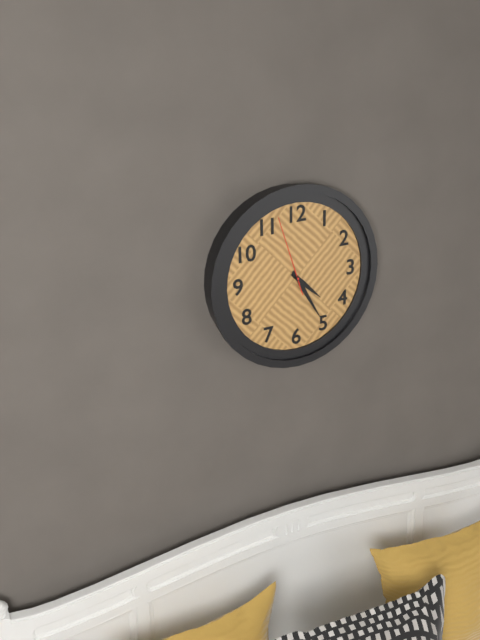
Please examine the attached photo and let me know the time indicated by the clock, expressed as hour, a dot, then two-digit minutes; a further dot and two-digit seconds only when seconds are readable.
4.25.57
